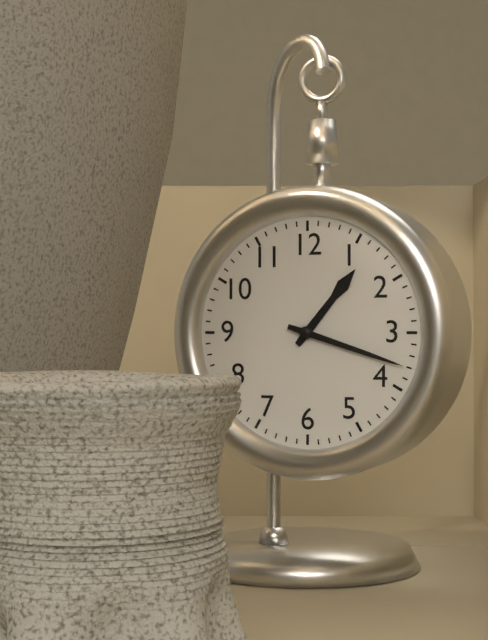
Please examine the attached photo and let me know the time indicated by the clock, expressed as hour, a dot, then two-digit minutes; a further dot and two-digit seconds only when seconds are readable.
1.18
